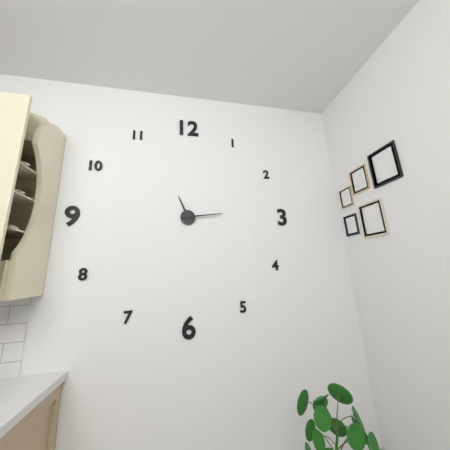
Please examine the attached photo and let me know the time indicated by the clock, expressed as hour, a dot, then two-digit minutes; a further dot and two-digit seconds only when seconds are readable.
11.14
